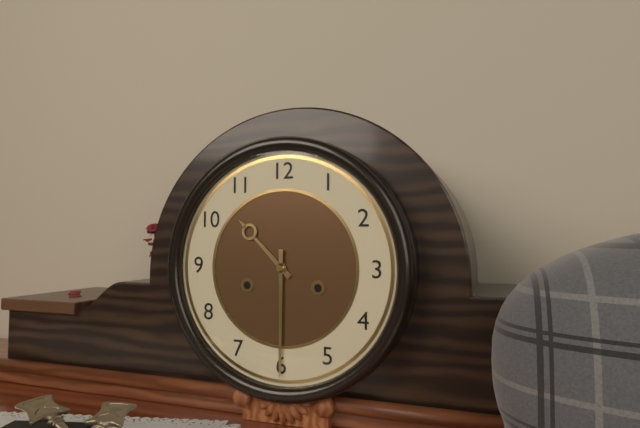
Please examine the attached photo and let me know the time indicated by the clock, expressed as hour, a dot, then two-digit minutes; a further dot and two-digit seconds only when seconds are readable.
10.30
